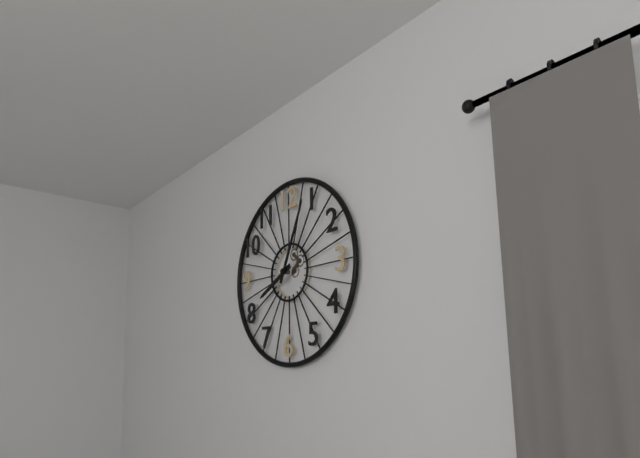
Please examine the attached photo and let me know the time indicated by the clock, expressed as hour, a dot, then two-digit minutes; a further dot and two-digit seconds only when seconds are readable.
8.04
